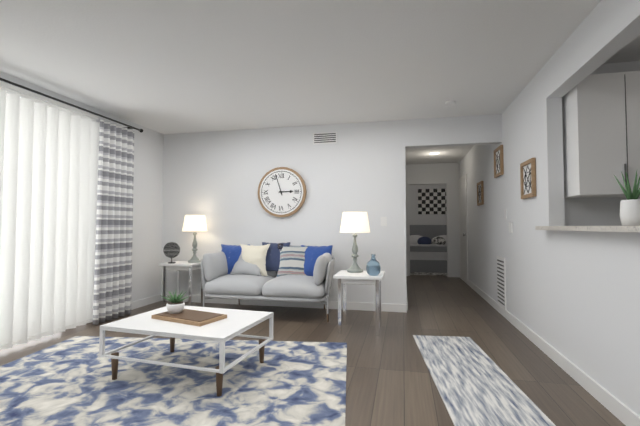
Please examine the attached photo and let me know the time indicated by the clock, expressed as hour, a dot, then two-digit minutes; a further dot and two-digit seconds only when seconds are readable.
2.57
